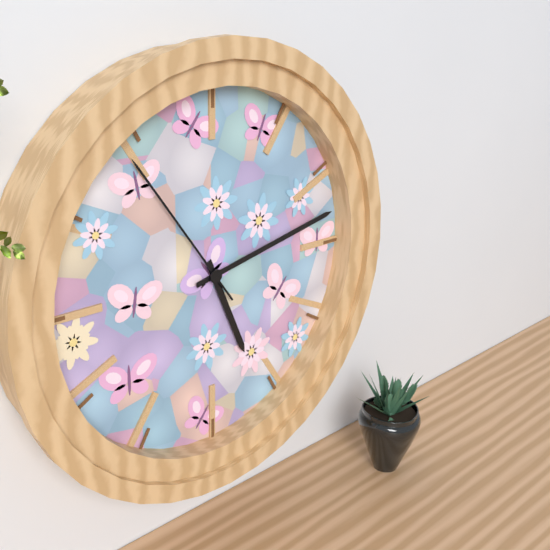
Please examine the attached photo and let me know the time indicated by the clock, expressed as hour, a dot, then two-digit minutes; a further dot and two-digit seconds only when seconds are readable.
5.13.54
